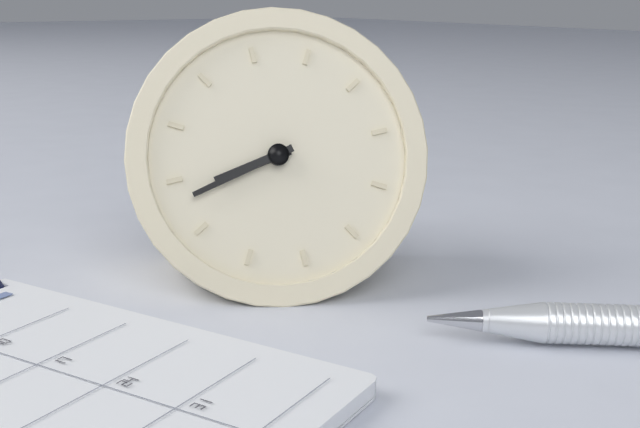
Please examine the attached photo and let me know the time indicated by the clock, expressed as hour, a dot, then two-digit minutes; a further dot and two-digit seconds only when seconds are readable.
8.43
